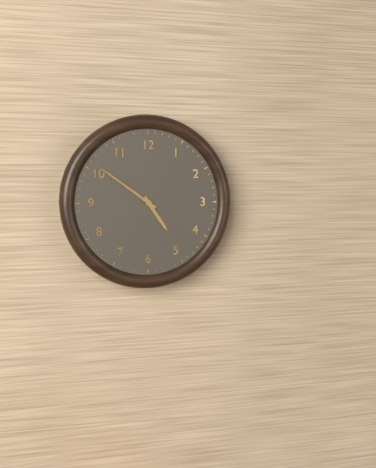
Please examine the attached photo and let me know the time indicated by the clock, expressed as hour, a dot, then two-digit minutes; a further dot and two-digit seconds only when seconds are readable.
4.51
